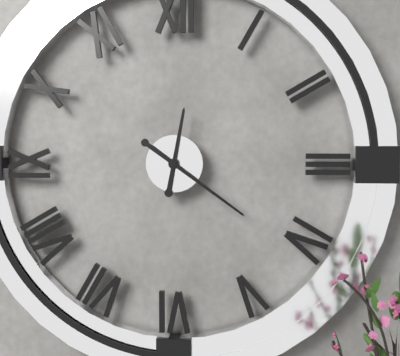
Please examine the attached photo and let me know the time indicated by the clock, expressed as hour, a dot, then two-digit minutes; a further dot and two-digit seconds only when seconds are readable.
12.21
